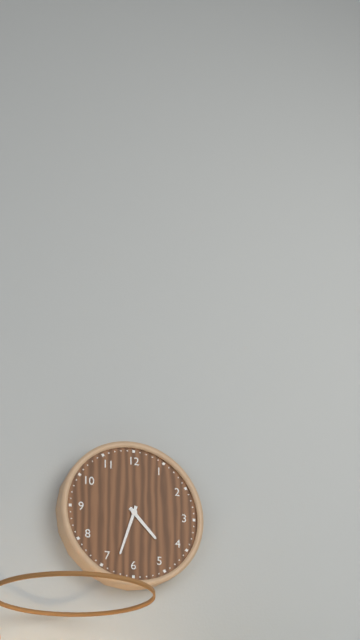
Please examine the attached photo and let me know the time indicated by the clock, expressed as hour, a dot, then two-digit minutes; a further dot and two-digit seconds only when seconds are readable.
4.33
